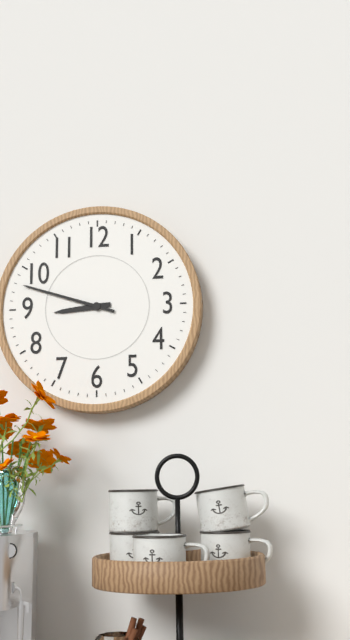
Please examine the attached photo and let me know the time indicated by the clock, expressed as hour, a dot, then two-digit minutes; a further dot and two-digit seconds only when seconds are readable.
8.48
